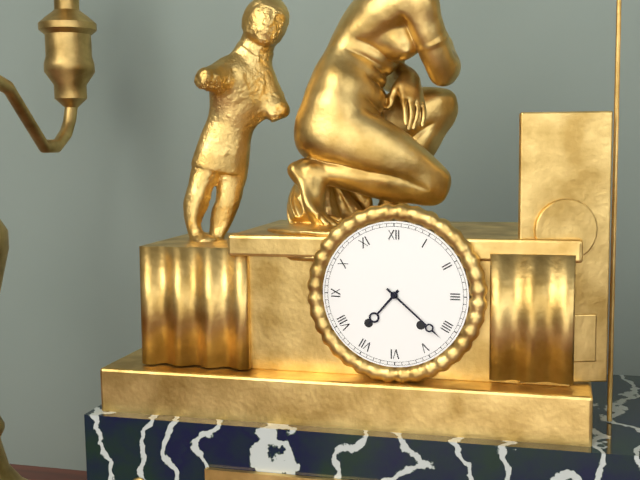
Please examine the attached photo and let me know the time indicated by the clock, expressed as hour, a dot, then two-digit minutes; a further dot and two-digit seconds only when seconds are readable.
7.22
